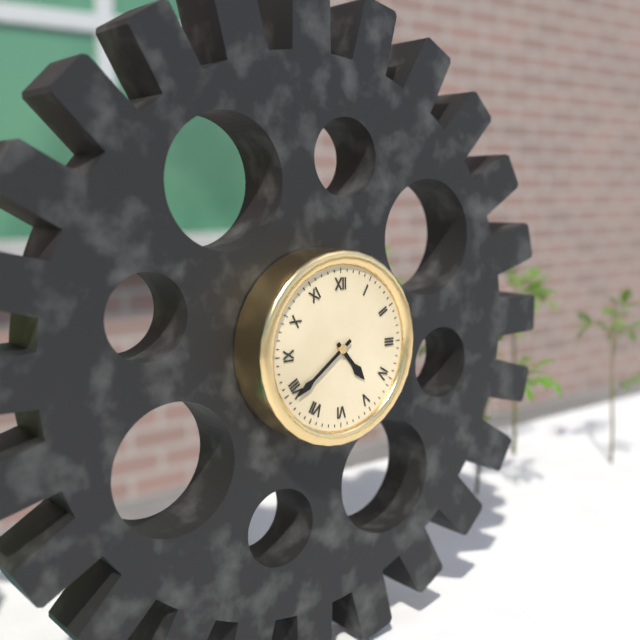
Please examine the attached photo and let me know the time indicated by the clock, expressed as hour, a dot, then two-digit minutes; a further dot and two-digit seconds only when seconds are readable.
4.39
